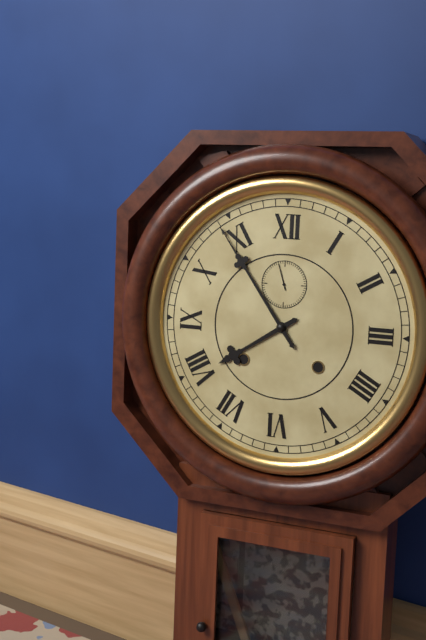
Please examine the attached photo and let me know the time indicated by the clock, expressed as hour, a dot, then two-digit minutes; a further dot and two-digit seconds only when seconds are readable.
7.54
